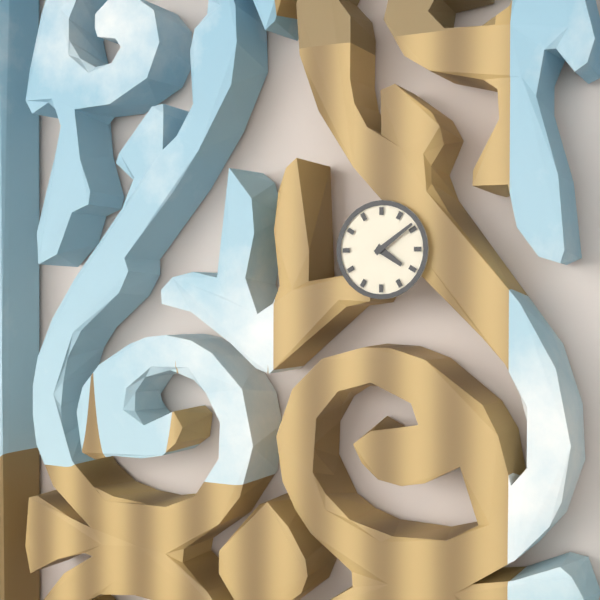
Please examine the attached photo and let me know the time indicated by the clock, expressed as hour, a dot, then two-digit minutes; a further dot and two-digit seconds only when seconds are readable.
4.09
